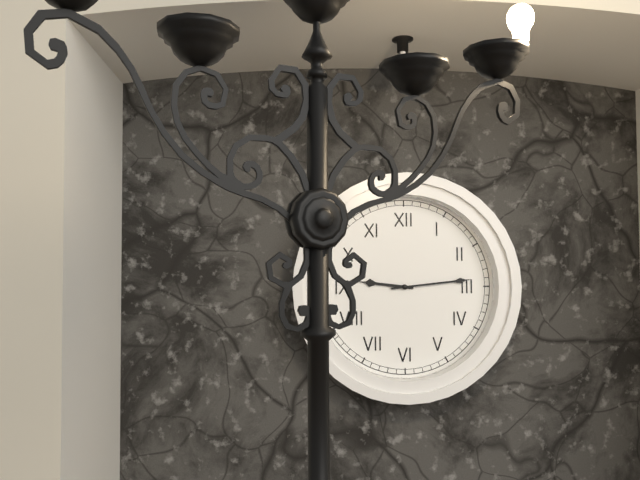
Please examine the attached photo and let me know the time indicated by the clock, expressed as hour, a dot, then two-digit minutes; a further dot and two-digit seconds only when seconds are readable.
9.14
